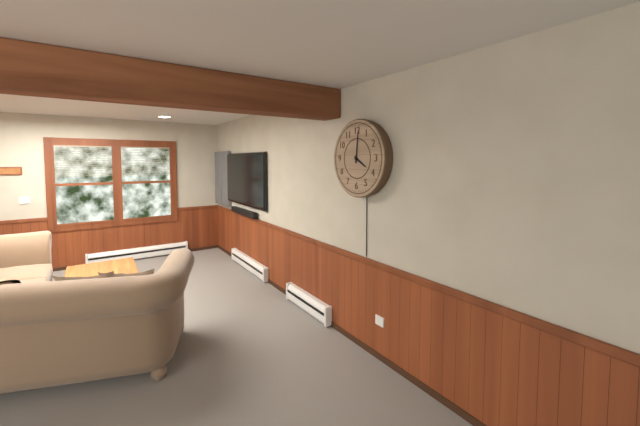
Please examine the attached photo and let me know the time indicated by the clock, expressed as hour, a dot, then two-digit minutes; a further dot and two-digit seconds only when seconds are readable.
4.01
